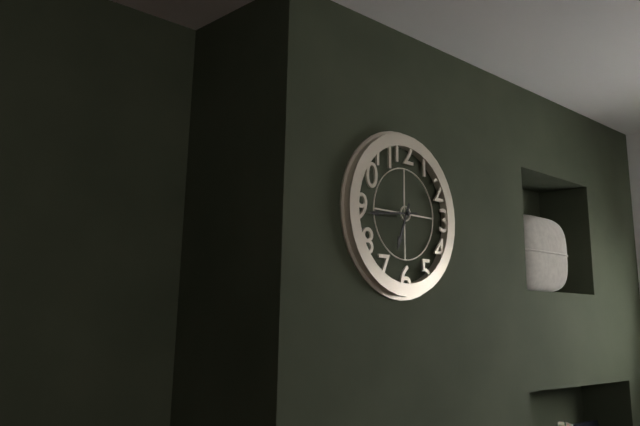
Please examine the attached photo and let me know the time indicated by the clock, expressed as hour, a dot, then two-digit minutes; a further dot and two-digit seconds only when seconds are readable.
6.44
